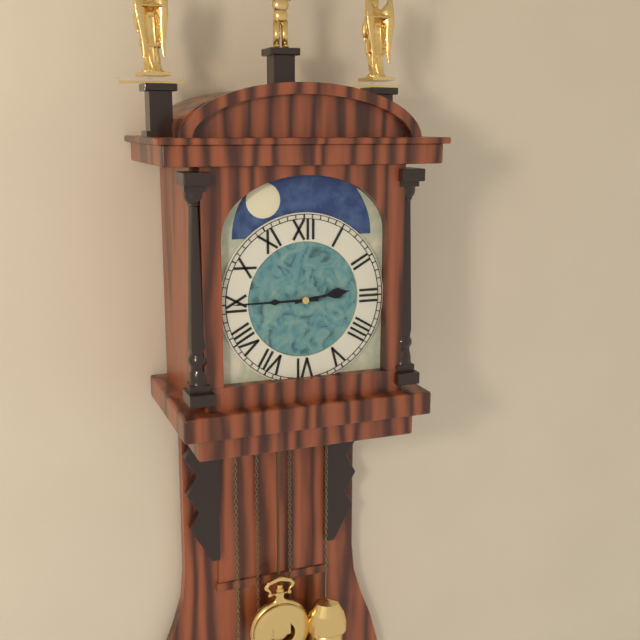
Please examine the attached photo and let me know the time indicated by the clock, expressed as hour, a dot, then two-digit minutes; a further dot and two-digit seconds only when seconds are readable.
2.45
